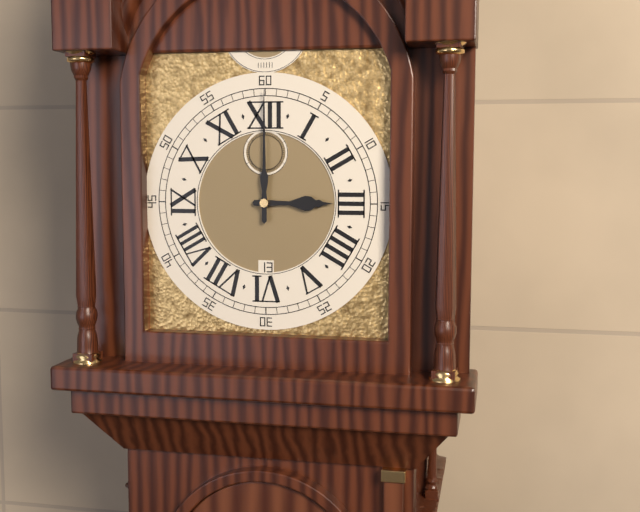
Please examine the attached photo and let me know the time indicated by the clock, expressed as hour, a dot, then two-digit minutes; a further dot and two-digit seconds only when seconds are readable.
3.00
